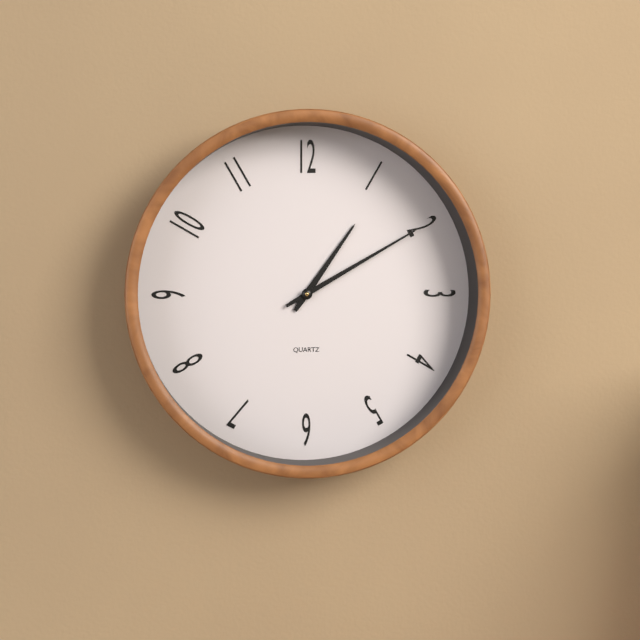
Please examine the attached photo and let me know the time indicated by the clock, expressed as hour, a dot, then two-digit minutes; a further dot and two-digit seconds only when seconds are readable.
1.10
